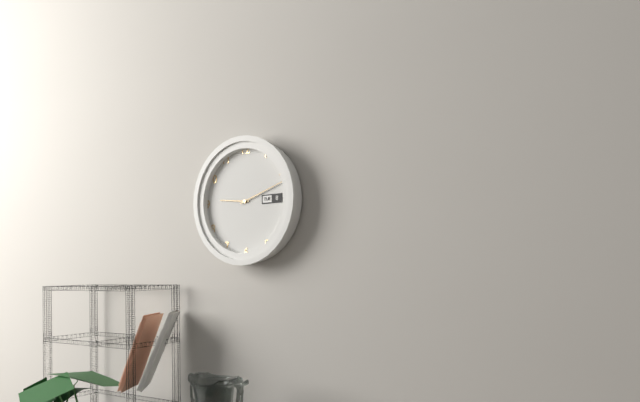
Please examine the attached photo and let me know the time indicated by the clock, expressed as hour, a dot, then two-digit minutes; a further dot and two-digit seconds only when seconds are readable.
9.12
